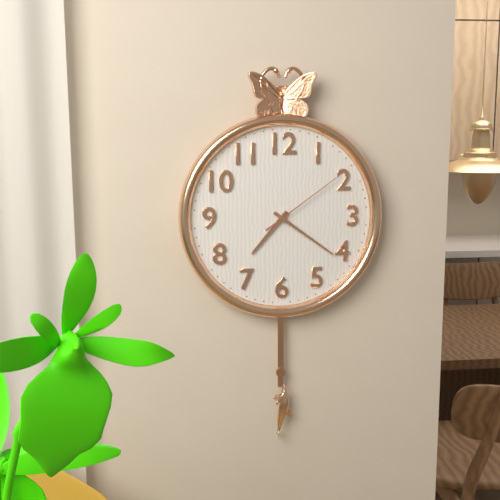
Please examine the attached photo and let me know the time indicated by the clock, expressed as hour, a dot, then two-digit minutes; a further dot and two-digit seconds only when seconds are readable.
7.21.09
